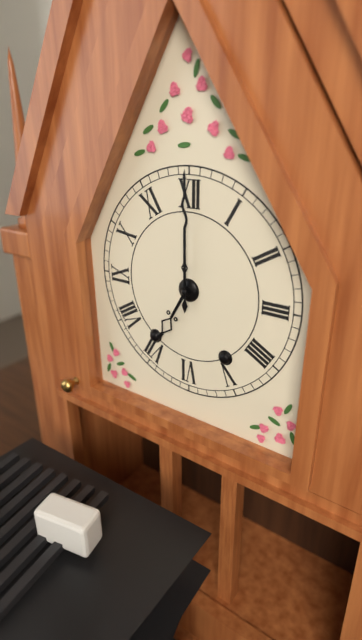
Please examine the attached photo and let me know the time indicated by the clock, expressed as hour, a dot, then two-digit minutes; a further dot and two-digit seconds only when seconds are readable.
7.00
